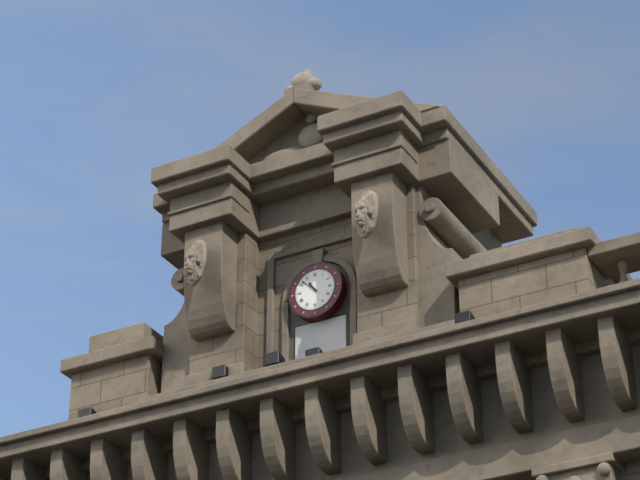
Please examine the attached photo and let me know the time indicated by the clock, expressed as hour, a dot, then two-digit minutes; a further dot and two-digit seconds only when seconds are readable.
10.52
